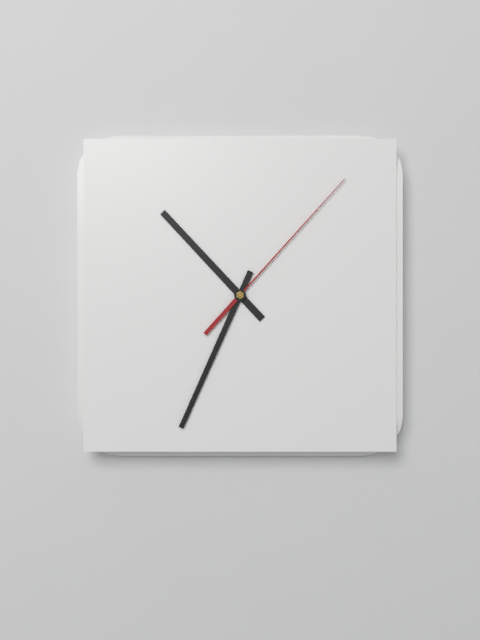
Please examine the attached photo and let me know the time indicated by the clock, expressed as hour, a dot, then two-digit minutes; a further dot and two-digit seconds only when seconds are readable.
10.34.07
